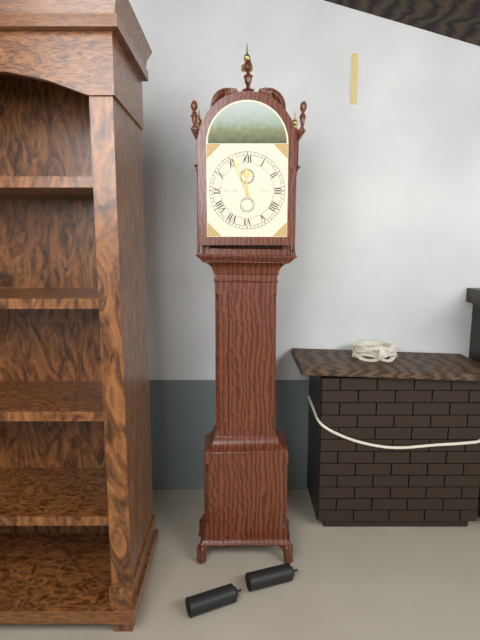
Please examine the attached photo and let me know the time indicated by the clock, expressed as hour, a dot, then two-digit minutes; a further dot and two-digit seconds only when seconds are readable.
11.56
